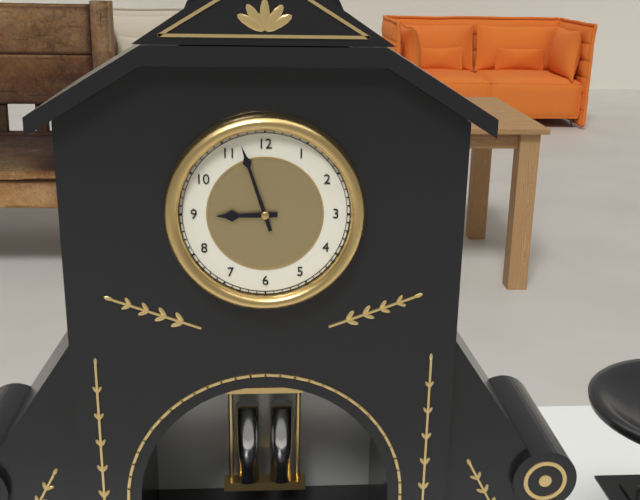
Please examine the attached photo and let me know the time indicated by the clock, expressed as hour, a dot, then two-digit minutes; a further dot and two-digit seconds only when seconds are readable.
8.57
